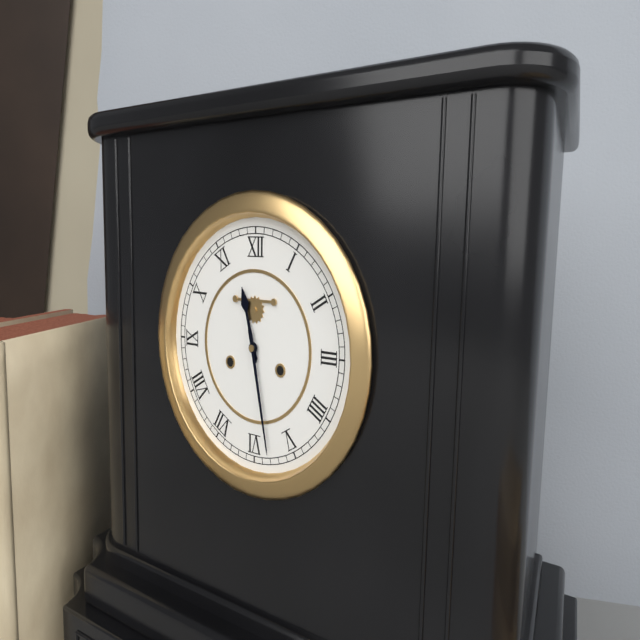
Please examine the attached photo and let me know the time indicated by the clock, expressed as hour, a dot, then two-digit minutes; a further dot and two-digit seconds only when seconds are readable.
11.28
